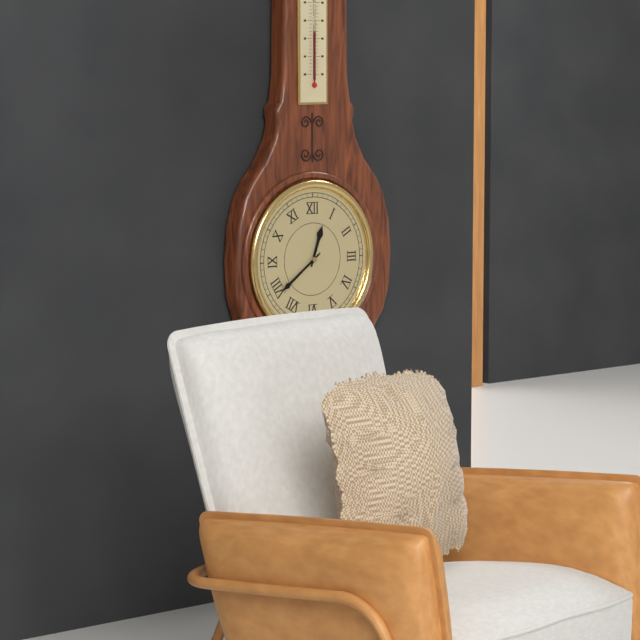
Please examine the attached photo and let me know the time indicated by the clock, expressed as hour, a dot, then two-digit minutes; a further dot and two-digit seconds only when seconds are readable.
12.39
